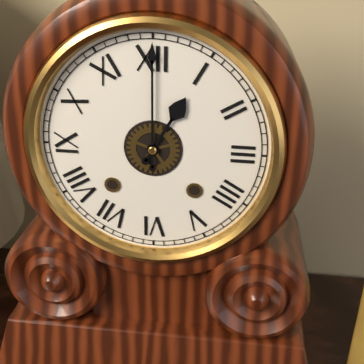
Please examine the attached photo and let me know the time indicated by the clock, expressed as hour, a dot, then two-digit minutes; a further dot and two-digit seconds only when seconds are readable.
1.00
